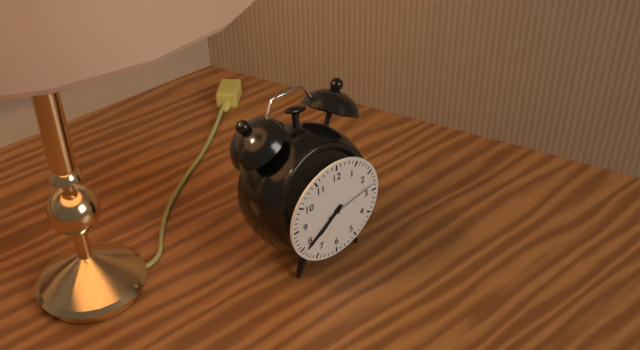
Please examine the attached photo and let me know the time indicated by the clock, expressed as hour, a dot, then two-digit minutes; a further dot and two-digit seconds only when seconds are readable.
7.39.13
